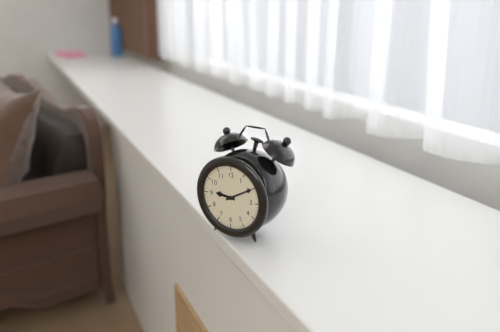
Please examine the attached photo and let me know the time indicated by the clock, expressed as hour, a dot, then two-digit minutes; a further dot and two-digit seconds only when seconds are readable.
9.10
